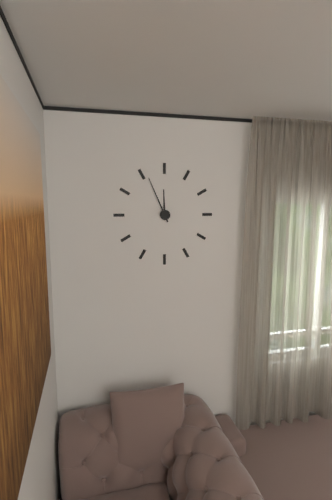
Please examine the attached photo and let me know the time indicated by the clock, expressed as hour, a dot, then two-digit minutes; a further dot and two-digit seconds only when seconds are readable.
11.56
